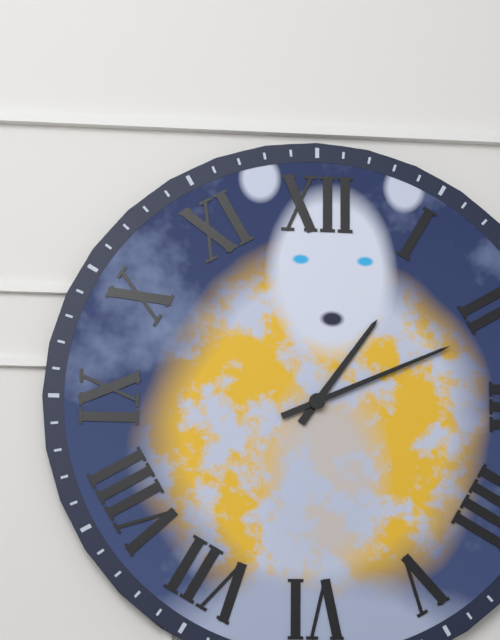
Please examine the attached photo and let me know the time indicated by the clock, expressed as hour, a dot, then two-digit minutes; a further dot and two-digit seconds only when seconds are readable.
1.11
